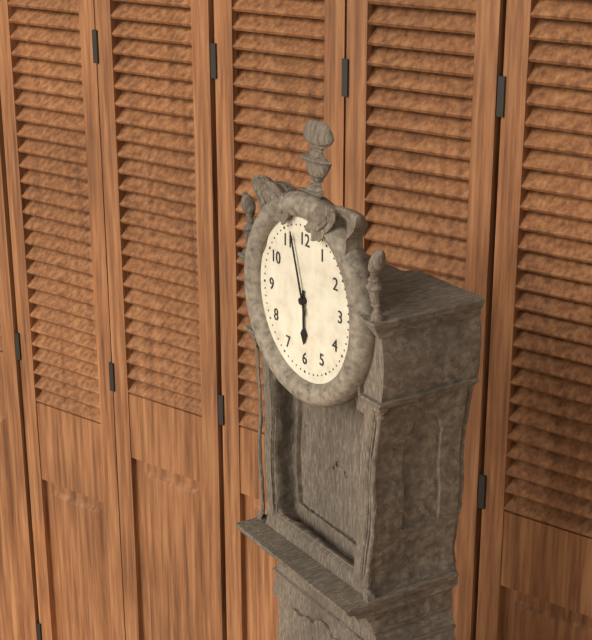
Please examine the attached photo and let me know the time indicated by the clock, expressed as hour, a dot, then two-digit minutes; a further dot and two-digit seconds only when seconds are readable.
5.57
